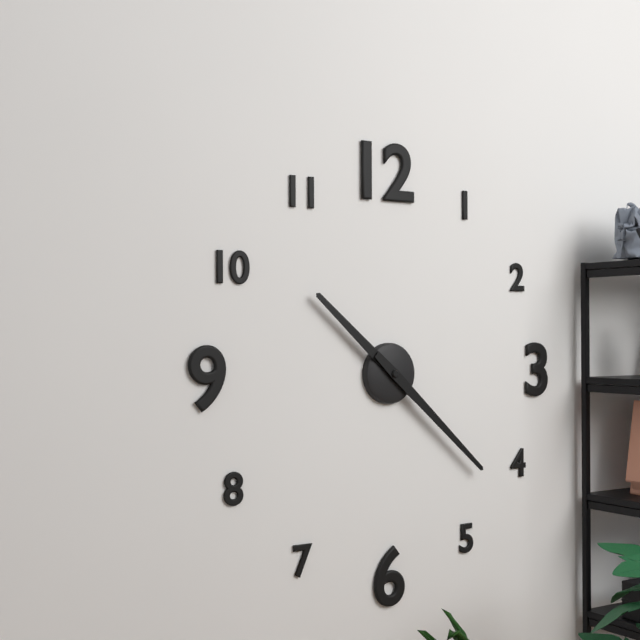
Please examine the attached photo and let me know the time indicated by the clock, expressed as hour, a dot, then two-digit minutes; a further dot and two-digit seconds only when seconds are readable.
10.22
